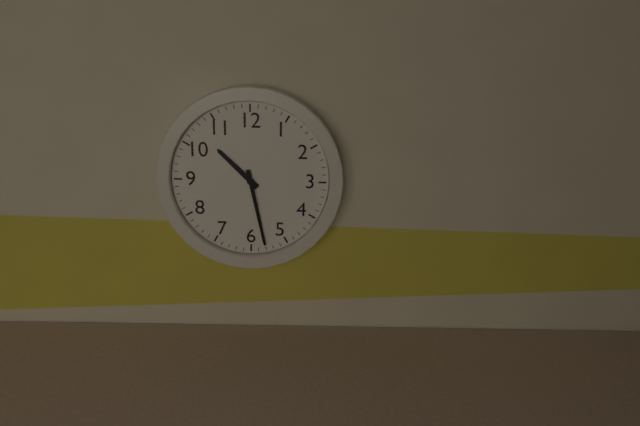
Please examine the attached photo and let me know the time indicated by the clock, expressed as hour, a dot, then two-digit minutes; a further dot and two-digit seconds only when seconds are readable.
10.28
